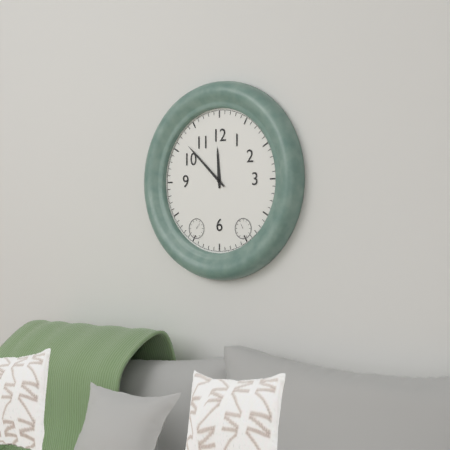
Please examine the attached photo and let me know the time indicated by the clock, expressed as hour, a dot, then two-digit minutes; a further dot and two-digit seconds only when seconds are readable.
11.52
